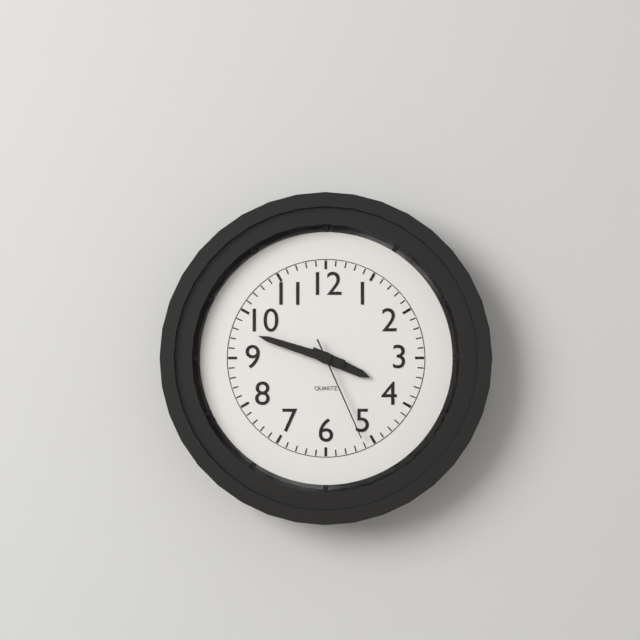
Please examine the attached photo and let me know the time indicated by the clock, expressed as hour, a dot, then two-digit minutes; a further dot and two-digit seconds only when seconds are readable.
3.48.26
